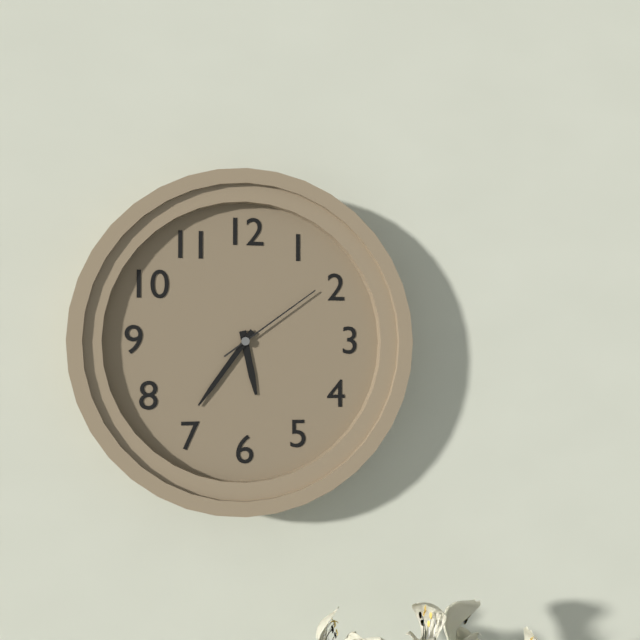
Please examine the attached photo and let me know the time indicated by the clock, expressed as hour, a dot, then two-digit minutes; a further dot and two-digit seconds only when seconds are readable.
5.36.09
